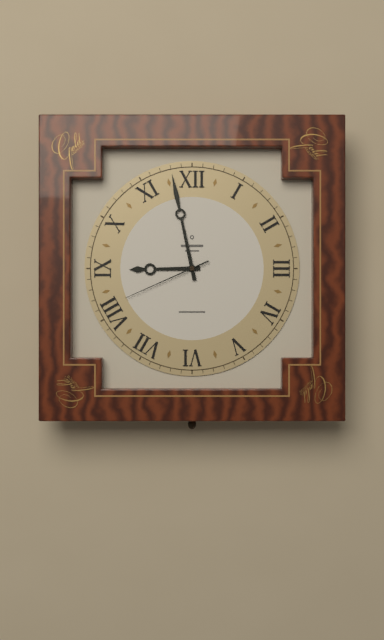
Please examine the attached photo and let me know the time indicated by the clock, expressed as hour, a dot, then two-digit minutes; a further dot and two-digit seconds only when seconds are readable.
8.58.41
